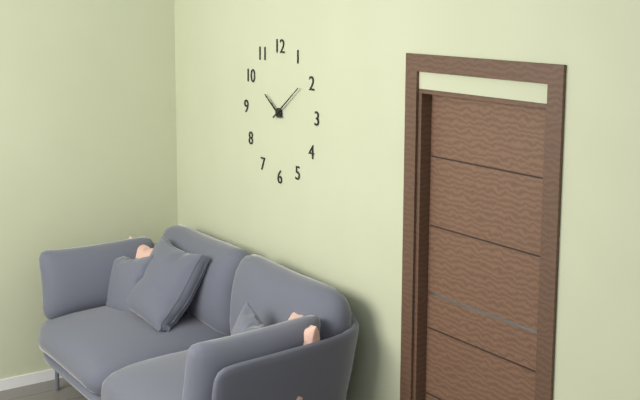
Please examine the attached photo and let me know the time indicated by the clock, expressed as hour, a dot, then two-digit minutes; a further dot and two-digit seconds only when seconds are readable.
10.09
